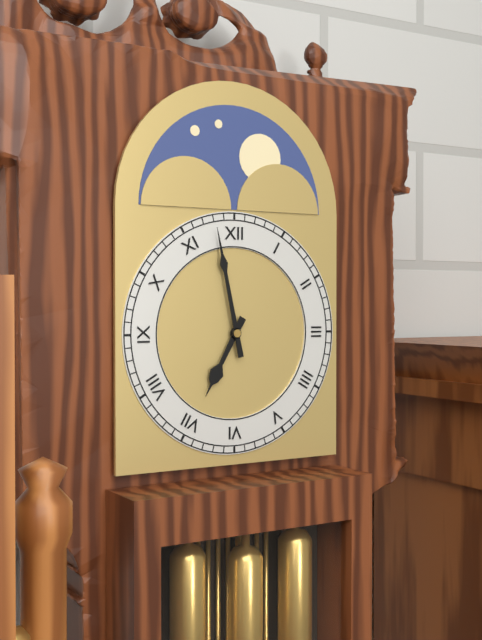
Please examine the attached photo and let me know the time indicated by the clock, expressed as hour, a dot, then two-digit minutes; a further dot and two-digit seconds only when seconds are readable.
6.58
